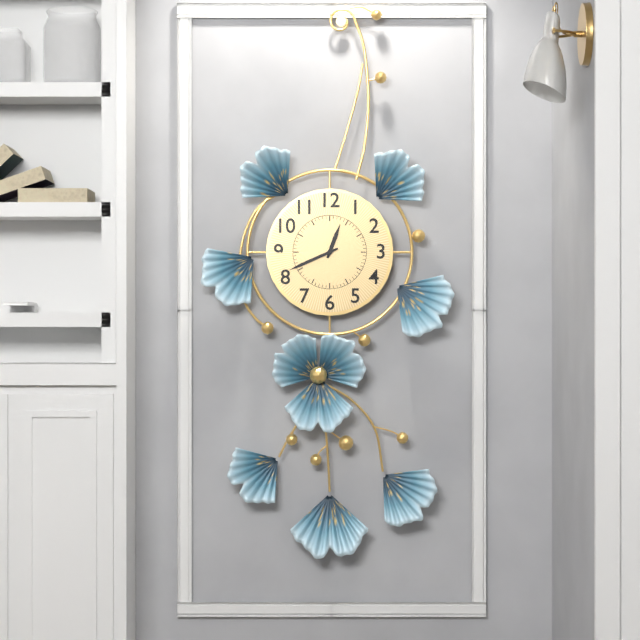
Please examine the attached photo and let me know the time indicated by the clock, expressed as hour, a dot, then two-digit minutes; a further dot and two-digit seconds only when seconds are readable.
12.41
